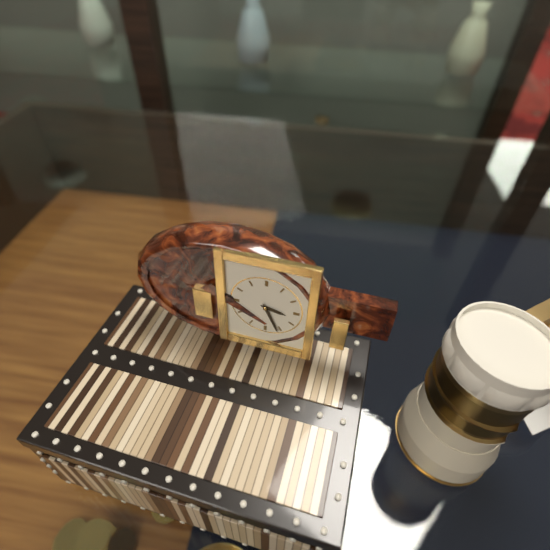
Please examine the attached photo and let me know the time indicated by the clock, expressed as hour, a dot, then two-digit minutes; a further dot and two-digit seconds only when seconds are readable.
3.26
